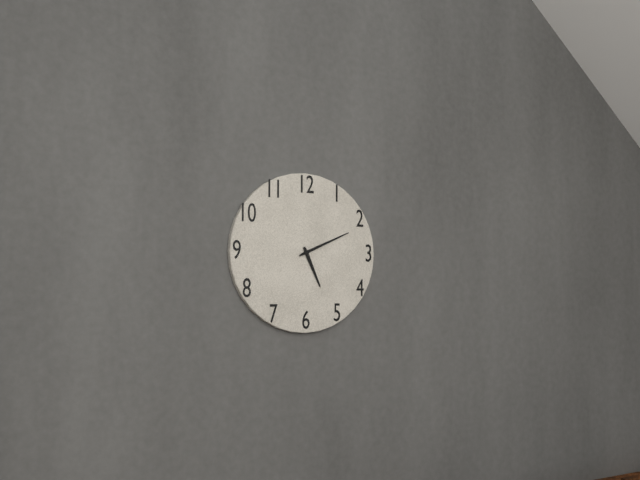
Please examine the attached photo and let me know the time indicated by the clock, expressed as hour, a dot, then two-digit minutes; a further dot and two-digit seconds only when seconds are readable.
5.11
